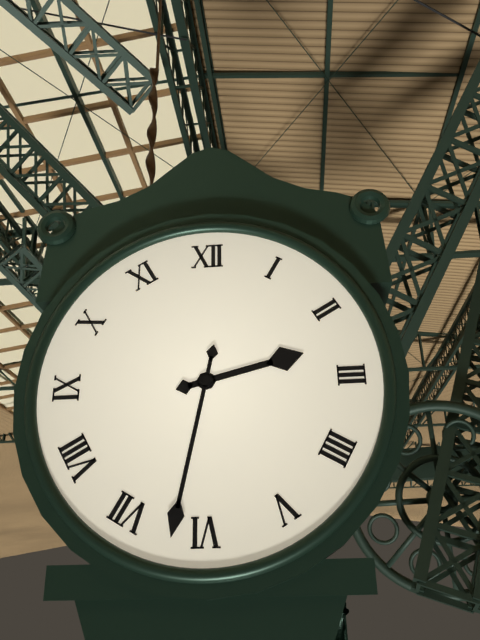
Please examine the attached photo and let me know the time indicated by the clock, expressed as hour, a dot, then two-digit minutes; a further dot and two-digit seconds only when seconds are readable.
2.32
